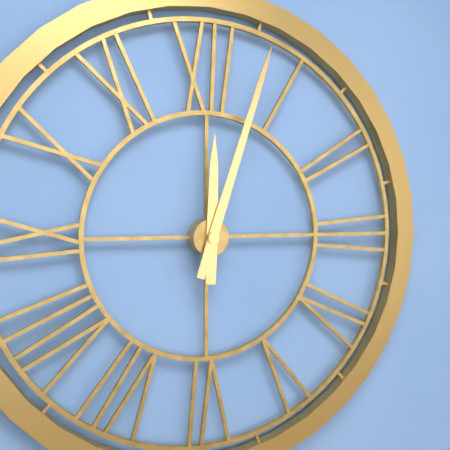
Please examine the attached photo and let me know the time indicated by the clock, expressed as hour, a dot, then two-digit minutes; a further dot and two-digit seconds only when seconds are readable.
12.03
